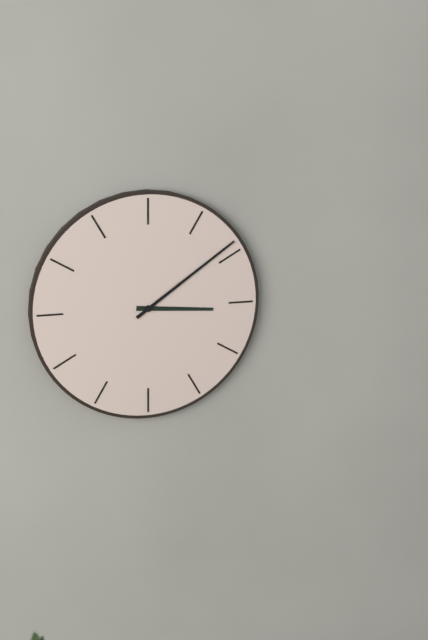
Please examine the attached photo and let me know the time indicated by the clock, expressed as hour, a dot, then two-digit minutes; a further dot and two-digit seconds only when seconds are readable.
3.09
